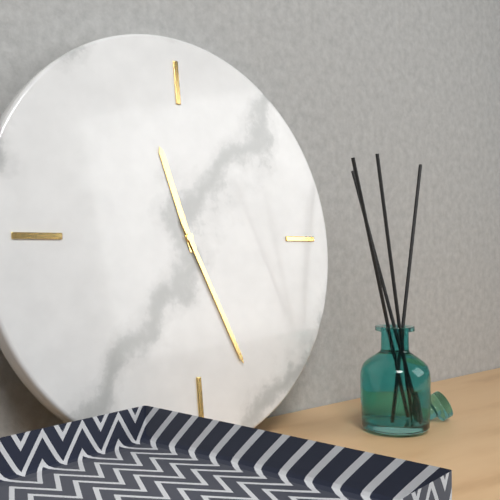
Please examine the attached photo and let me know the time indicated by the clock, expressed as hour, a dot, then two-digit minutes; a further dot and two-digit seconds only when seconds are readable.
11.26
